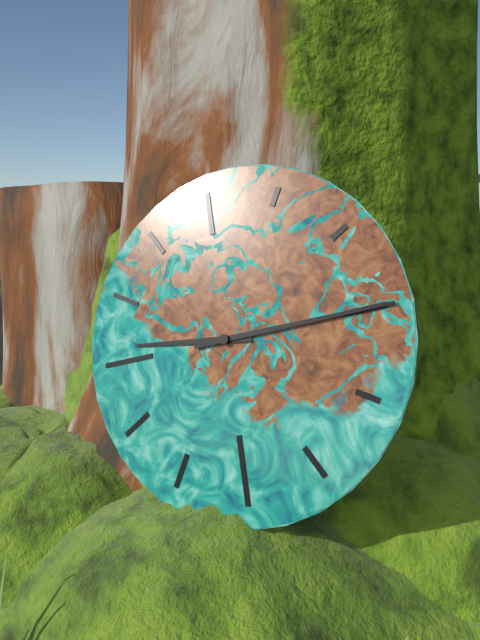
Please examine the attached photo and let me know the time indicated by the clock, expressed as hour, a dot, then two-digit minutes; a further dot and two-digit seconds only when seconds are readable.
9.15
